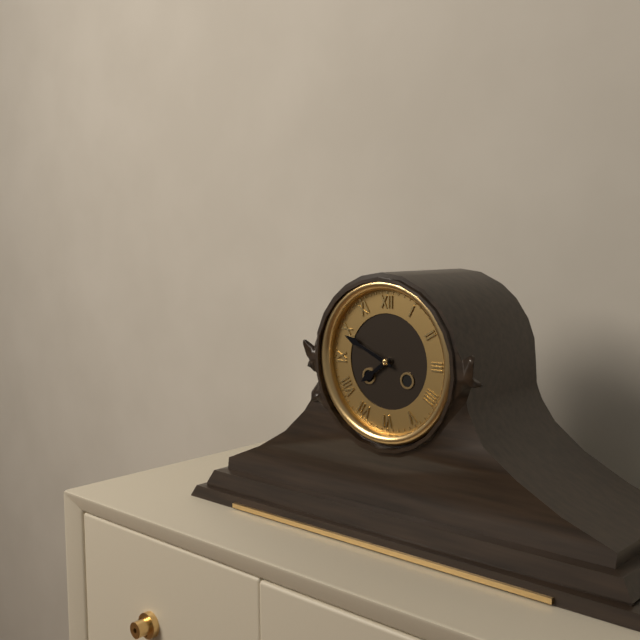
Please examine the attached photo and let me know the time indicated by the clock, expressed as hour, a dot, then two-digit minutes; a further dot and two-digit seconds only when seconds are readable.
7.49
